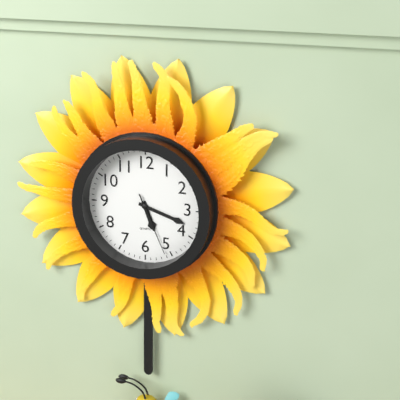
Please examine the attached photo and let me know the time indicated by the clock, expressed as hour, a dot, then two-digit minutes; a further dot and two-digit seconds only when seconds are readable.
5.18.26
